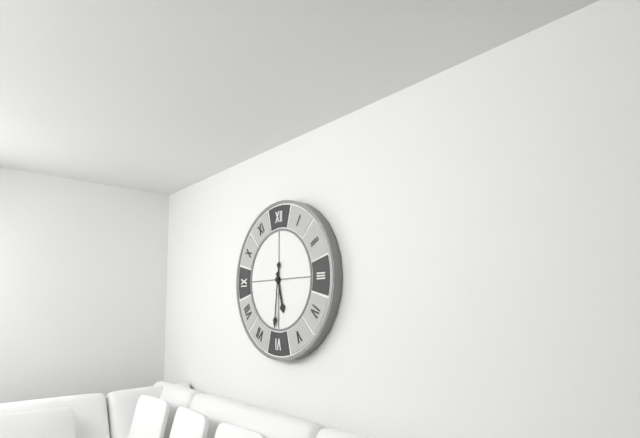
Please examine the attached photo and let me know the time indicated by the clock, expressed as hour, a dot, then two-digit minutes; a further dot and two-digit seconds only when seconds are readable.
5.31
